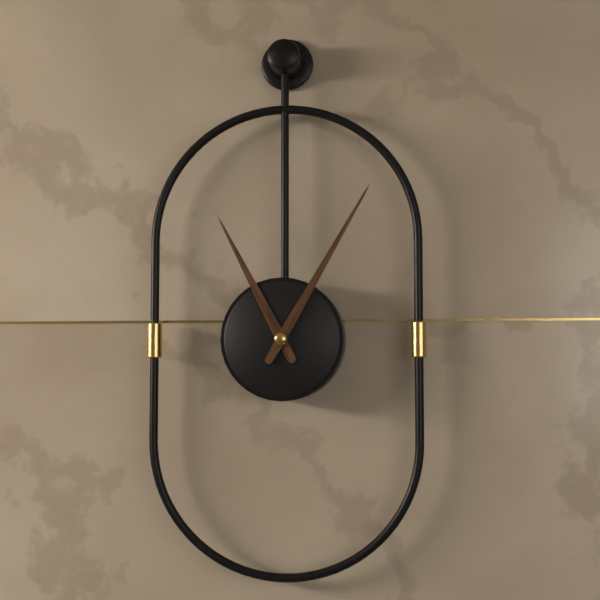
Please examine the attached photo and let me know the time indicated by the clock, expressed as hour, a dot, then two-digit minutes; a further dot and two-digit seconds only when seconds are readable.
11.05
